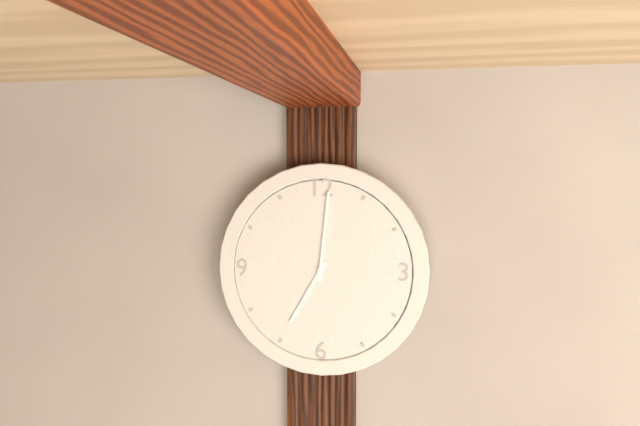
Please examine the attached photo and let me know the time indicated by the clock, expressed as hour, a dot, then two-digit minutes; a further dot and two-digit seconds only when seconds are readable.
7.01
